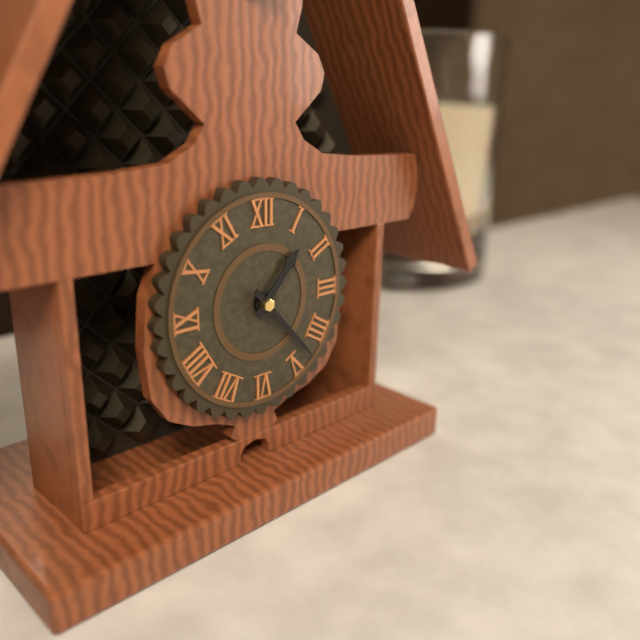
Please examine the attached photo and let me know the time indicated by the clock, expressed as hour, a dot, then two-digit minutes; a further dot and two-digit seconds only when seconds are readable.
1.23
